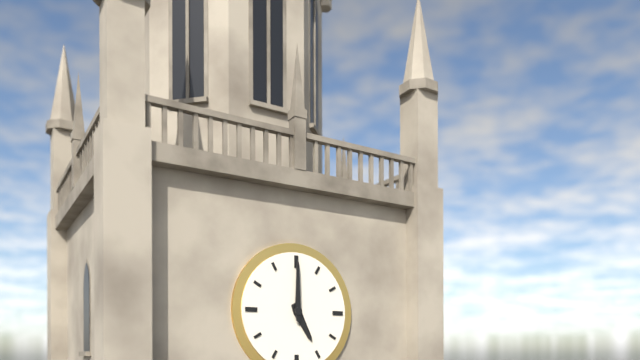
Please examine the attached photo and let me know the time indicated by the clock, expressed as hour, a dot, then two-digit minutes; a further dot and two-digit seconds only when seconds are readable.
5.00
